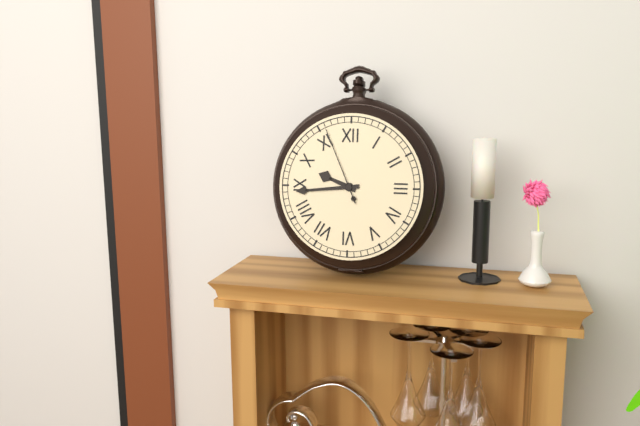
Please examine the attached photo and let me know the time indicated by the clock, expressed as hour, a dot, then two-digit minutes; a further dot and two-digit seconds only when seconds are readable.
9.44.56
